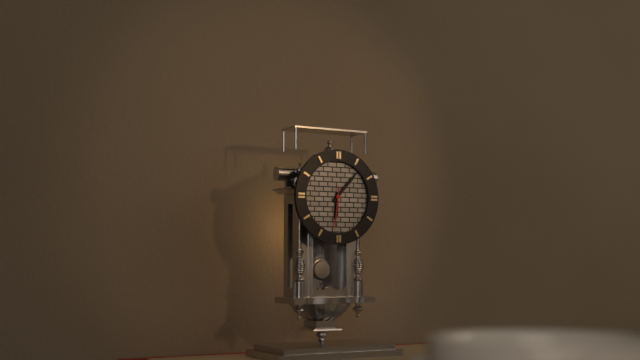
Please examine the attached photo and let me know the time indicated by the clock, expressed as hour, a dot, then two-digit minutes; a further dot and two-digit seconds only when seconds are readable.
6.07
